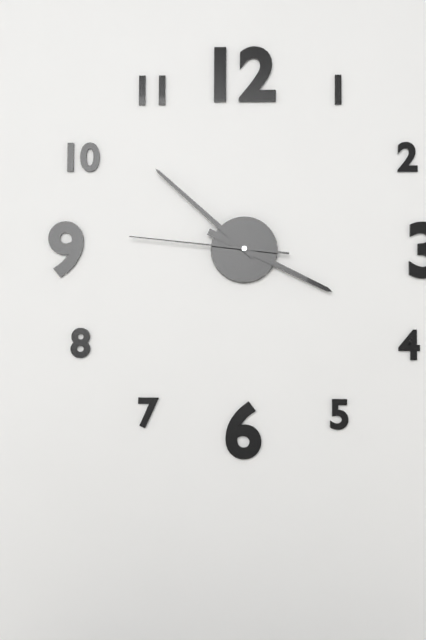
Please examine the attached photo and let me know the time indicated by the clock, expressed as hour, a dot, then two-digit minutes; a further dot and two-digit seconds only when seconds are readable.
3.52.46
